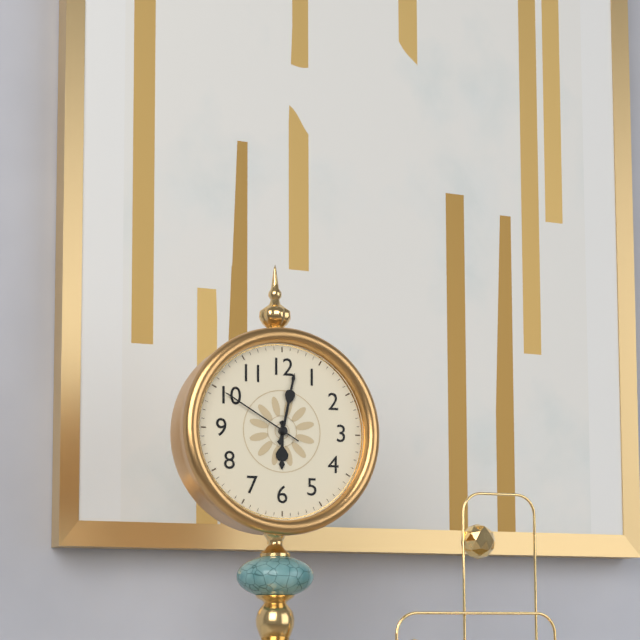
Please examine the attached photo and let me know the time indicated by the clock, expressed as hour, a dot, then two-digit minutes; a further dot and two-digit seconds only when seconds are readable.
6.02.50
